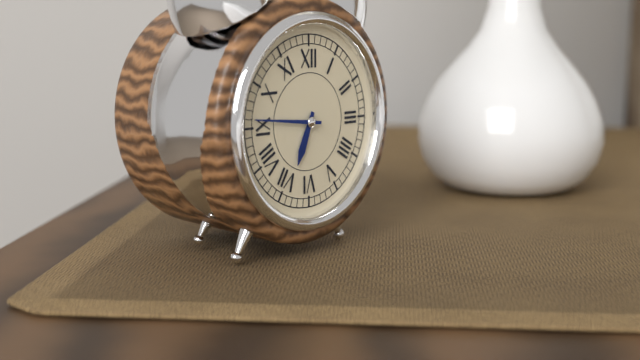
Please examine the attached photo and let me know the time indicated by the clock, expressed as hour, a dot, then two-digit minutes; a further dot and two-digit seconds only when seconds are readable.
6.46
